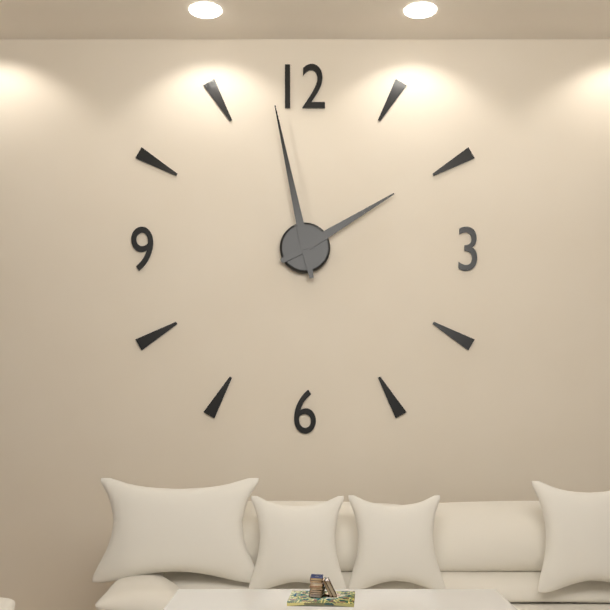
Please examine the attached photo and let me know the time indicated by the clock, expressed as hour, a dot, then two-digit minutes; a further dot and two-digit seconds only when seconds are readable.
1.58
